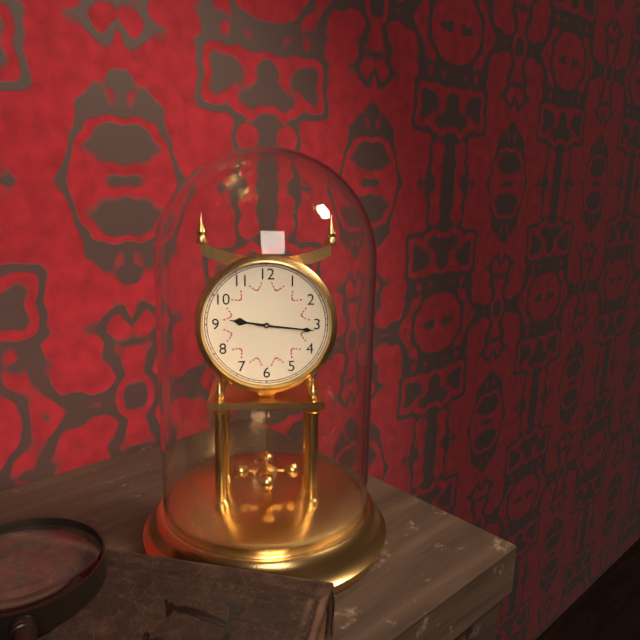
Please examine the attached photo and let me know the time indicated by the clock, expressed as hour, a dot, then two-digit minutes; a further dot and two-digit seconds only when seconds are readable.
9.16
